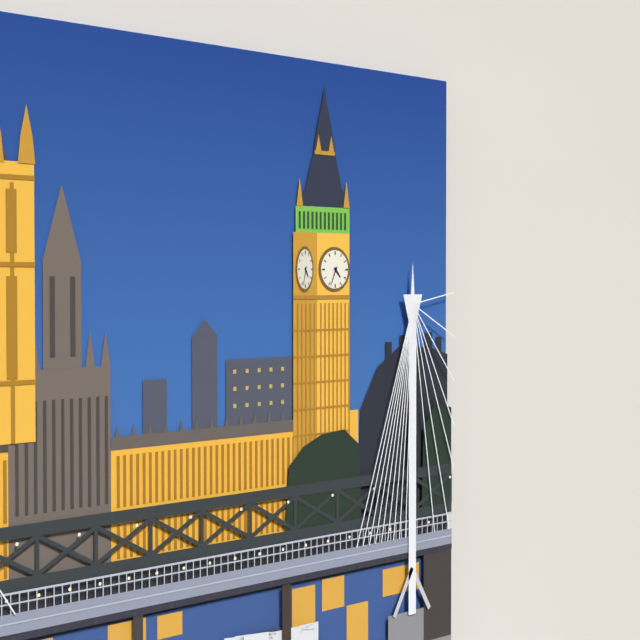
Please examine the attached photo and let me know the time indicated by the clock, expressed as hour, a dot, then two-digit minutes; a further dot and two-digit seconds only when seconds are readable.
4.34
